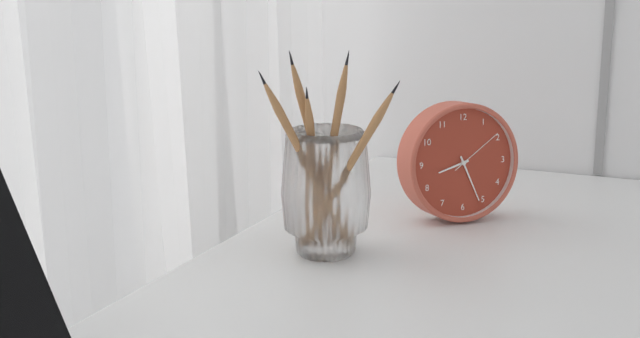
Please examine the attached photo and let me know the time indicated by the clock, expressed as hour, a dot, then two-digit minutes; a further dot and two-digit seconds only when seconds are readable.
8.26.09
